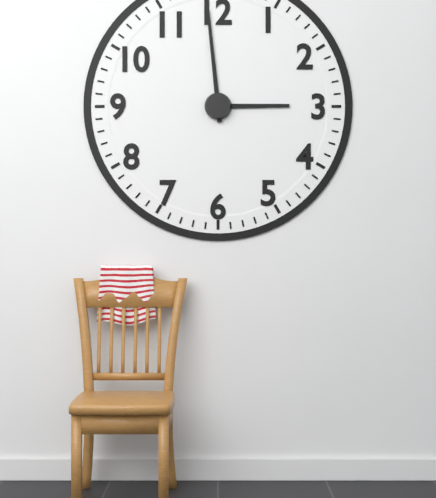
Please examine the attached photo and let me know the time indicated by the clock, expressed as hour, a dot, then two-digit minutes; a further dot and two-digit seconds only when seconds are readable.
2.59
